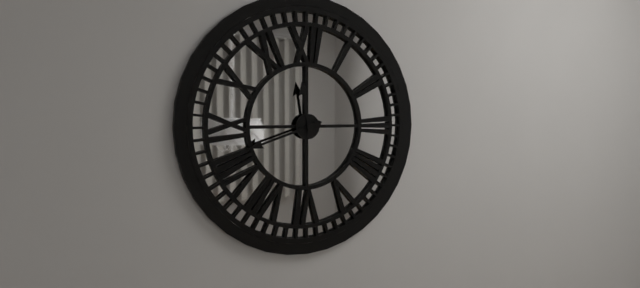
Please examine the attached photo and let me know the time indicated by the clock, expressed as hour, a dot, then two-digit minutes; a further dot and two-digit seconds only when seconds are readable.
11.42
